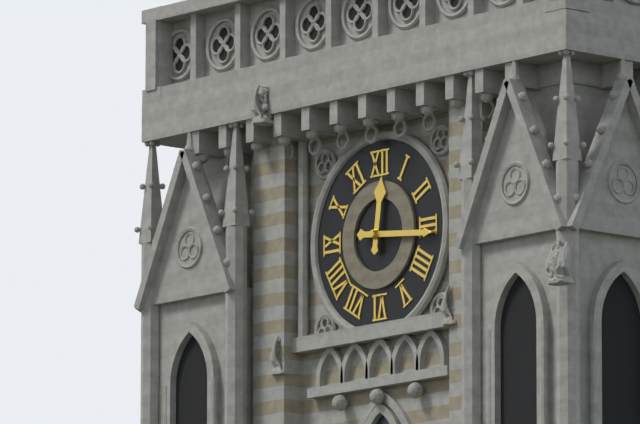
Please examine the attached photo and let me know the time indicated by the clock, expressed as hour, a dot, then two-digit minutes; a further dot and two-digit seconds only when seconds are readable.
12.16
